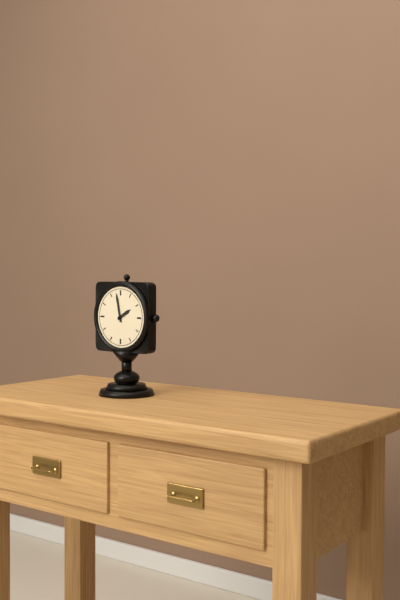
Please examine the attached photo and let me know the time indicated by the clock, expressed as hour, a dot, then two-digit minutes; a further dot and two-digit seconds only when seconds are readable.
1.58
